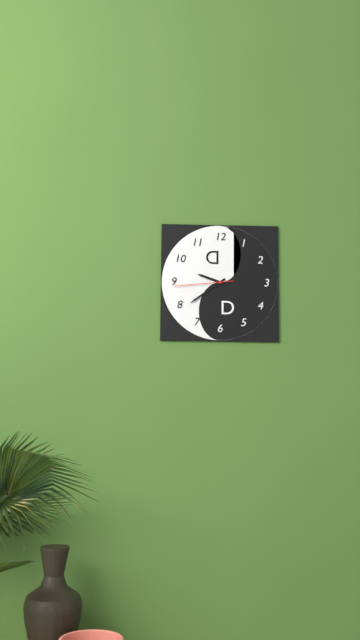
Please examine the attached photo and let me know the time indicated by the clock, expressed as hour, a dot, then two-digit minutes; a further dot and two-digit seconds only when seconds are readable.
9.39.44
